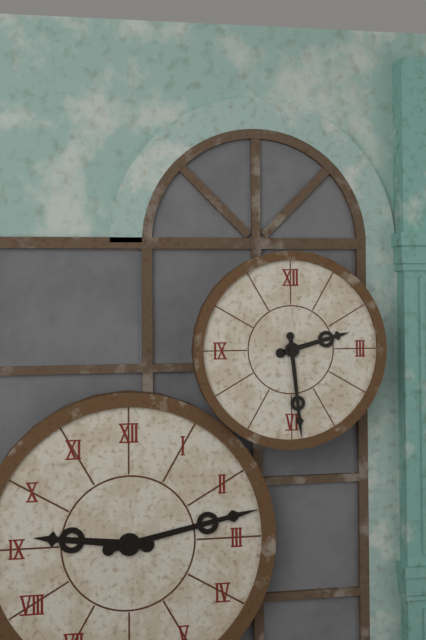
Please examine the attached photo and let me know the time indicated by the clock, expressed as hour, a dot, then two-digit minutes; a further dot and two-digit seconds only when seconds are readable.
2.29
